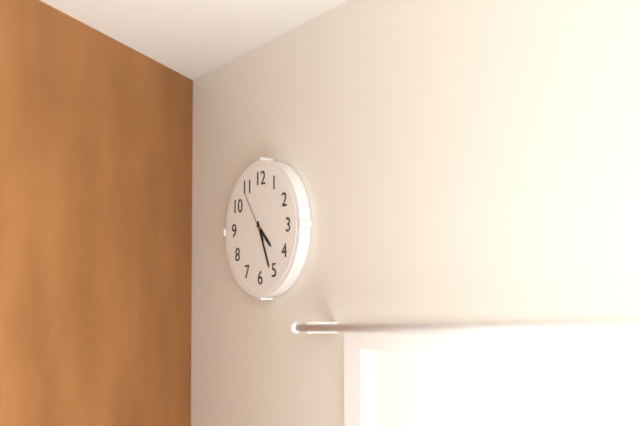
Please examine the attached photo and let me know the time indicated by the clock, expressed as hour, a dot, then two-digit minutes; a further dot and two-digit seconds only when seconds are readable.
4.26.54
